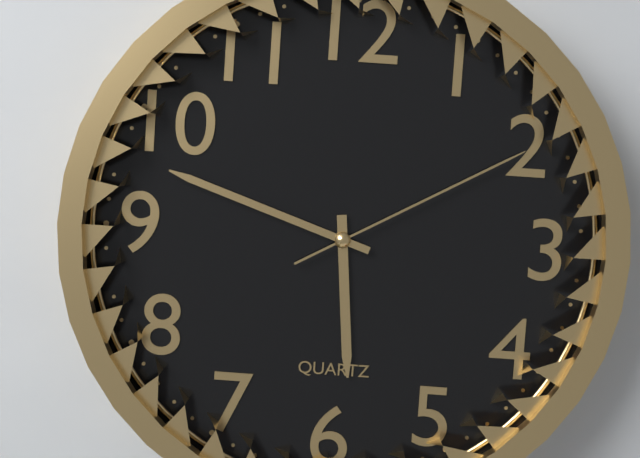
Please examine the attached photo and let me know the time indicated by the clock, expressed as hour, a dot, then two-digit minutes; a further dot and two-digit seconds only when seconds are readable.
5.48.10
